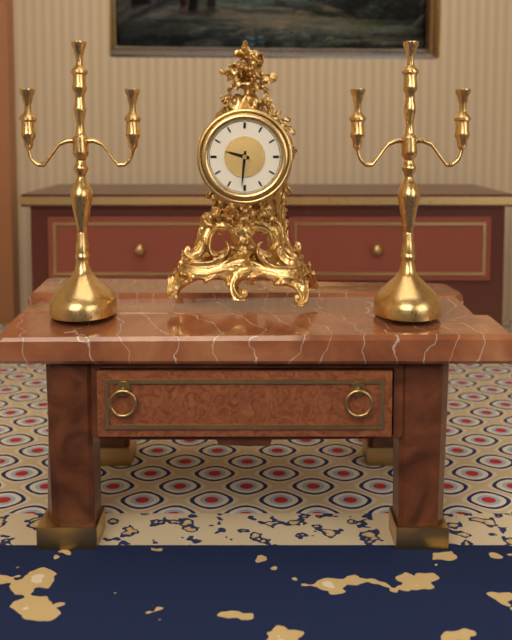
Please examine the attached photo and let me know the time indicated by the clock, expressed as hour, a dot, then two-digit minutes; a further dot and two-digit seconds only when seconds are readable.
9.31
